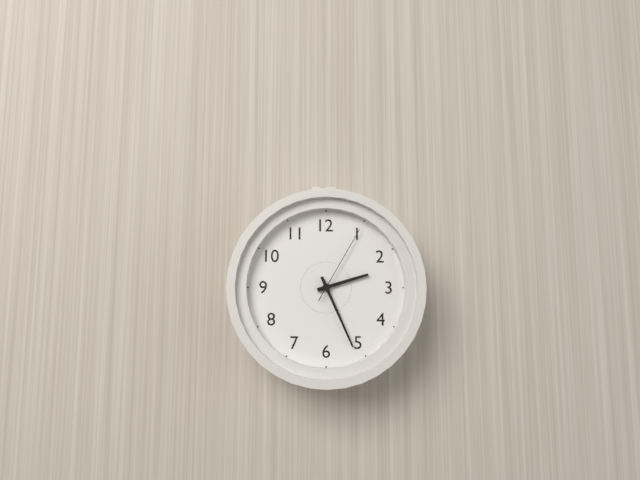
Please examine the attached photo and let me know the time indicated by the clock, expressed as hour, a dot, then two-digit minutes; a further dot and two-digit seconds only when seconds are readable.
2.26.05
